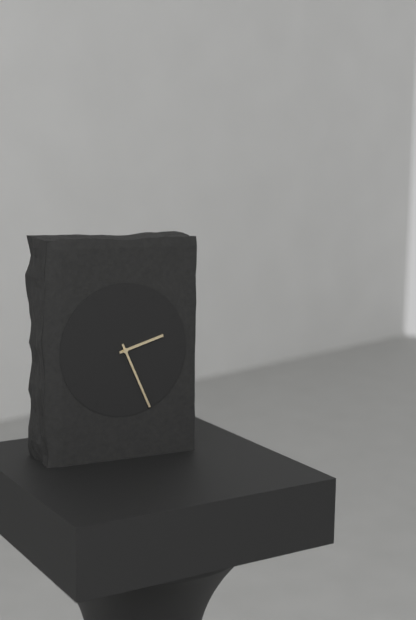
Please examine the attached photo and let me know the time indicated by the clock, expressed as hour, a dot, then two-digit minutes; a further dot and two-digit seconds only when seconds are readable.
2.26
